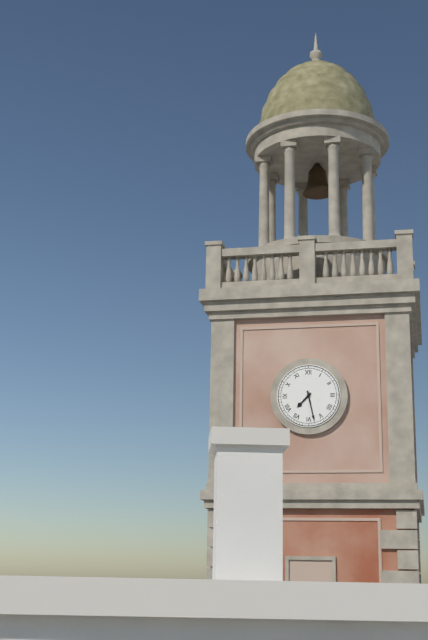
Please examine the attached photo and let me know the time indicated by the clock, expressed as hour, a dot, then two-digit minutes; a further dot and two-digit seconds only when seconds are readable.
7.28
